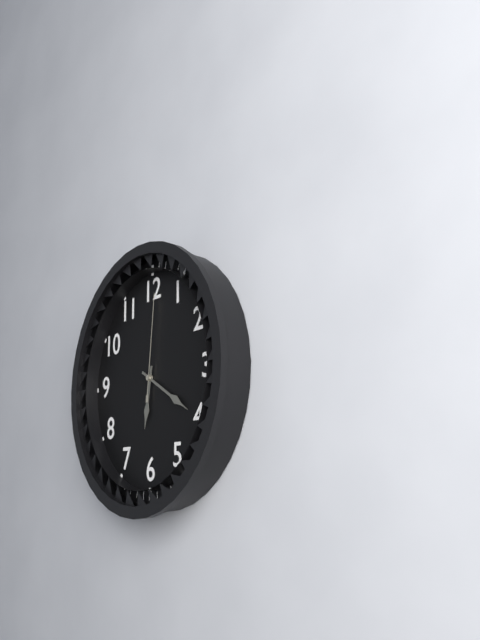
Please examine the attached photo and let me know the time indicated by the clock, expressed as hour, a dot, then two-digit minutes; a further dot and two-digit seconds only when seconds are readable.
6.20.01
